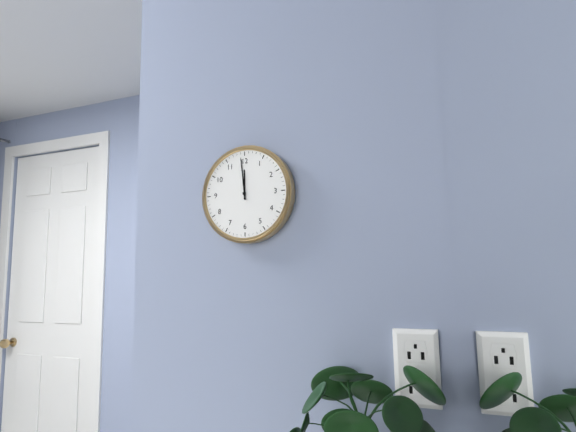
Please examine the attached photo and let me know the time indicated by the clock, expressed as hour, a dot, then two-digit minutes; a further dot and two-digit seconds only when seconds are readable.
11.59
